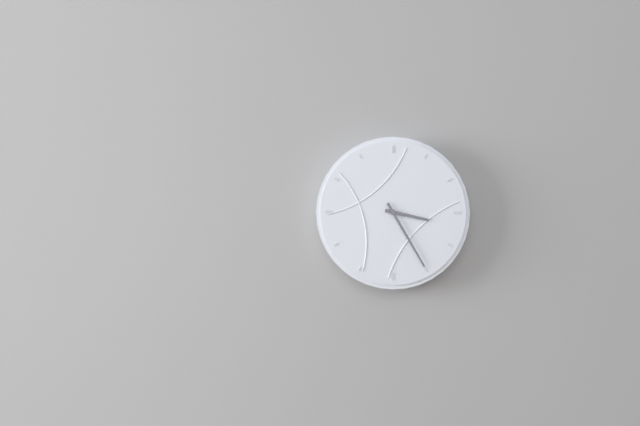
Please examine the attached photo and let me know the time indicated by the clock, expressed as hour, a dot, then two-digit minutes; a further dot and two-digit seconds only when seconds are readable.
3.25
